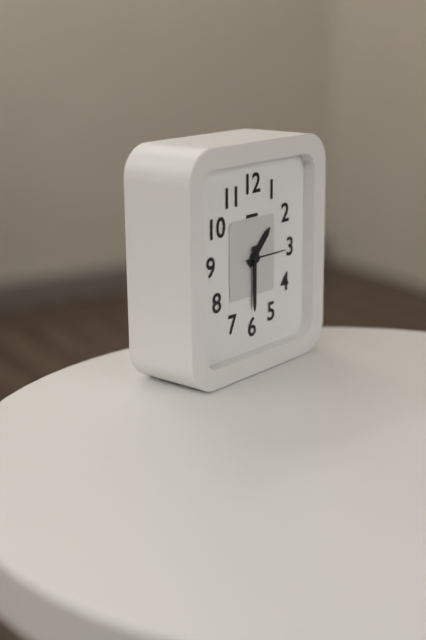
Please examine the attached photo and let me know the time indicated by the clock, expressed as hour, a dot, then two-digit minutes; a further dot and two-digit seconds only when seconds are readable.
1.30
